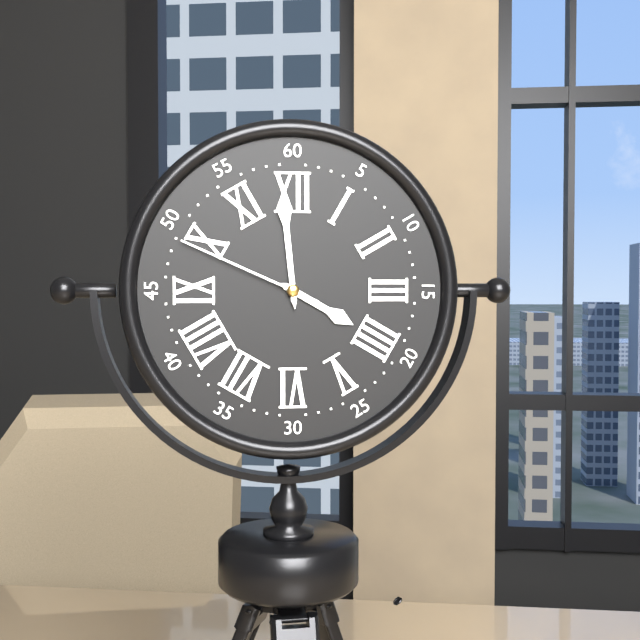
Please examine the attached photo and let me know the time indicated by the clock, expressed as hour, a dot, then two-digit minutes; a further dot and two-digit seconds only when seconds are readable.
3.59.49
